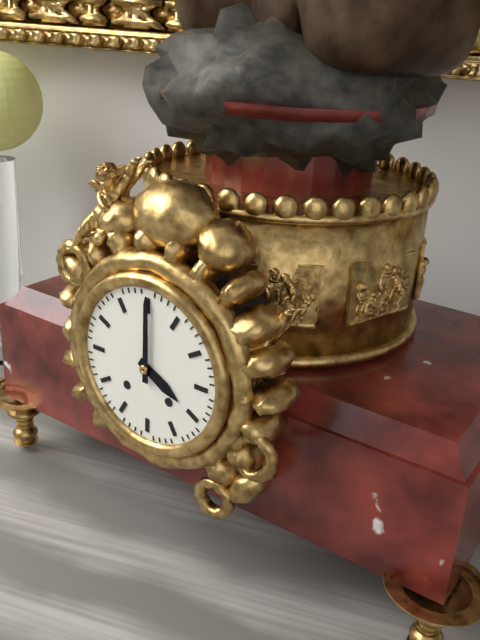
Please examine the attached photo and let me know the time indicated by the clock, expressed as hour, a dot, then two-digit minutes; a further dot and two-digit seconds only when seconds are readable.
4.00
